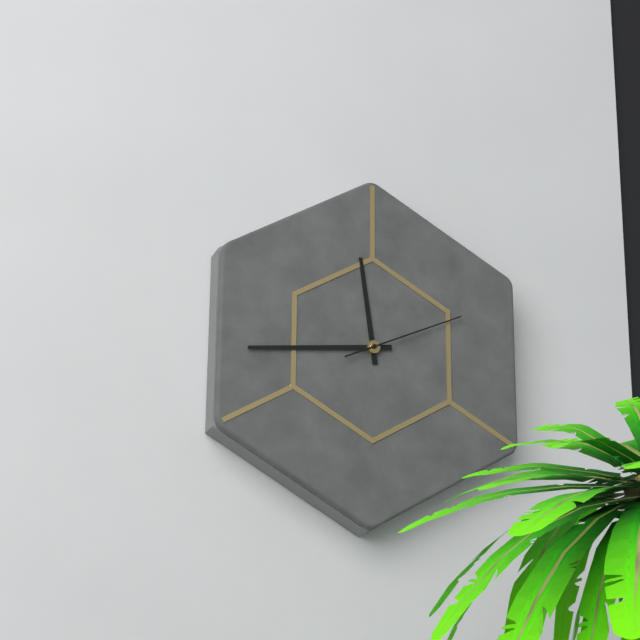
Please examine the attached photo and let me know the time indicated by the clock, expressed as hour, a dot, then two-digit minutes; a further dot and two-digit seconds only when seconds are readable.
11.44.11
